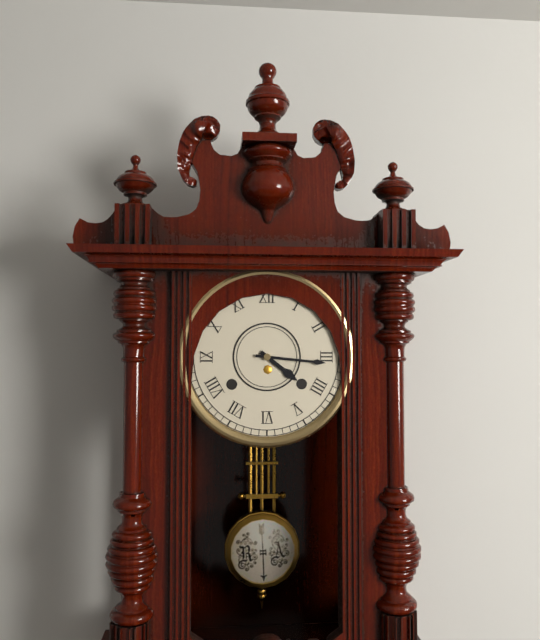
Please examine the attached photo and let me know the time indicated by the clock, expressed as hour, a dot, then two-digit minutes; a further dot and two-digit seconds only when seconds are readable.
4.16
